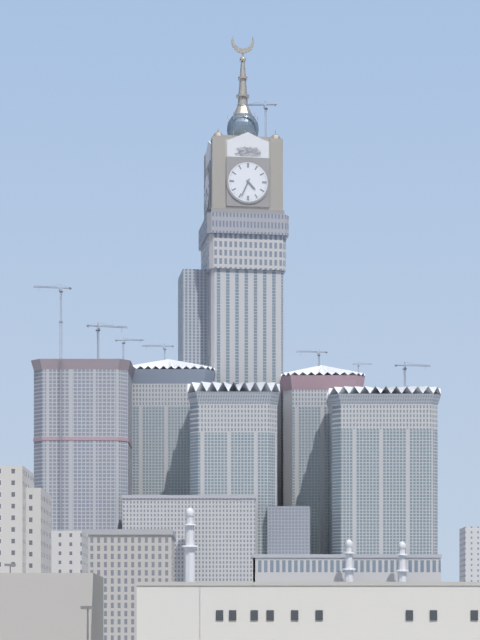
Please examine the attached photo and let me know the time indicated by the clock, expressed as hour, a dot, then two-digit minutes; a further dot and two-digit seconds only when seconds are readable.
4.34
